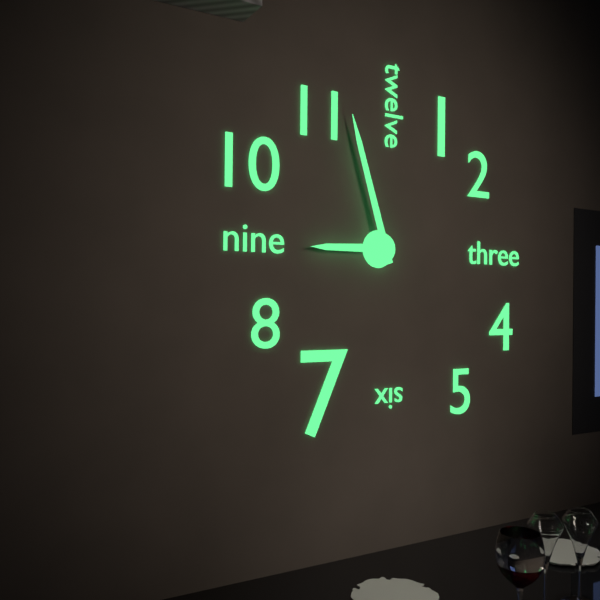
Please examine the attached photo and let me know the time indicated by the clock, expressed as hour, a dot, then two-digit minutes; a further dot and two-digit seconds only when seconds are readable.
8.57
